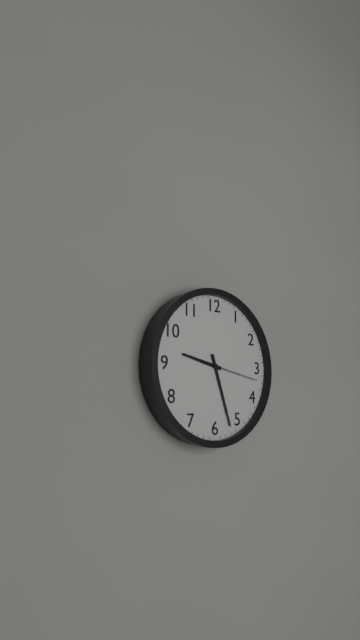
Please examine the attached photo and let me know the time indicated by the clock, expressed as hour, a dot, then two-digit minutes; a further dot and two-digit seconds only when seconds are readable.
9.27.17
